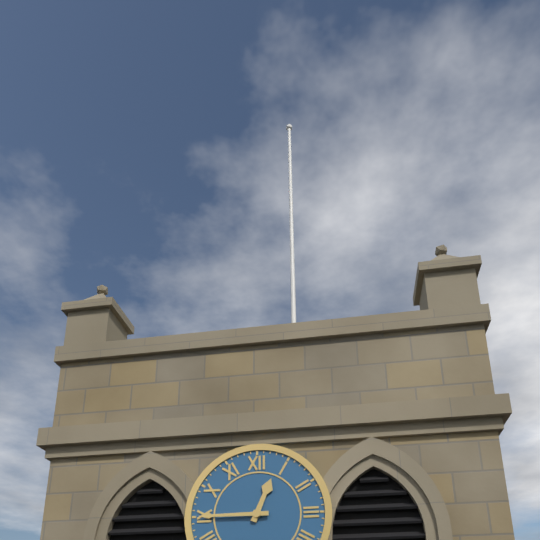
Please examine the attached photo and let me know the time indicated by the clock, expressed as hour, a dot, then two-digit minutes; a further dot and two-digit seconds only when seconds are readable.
12.45
